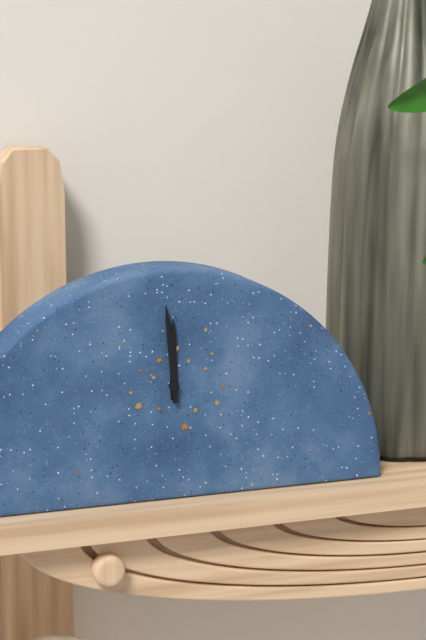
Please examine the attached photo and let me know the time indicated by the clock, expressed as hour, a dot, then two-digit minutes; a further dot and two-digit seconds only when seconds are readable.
11.59
